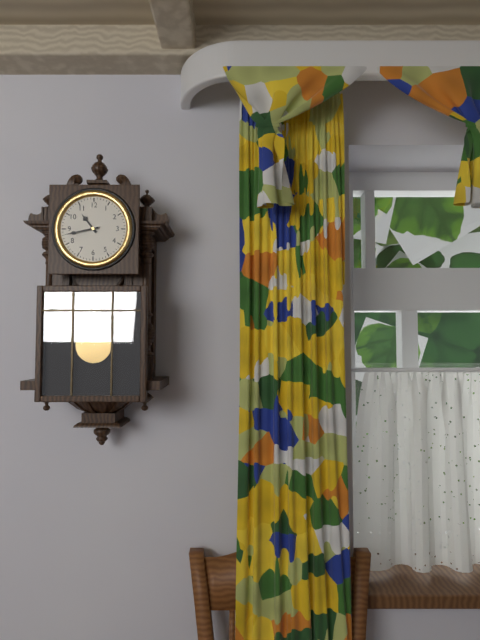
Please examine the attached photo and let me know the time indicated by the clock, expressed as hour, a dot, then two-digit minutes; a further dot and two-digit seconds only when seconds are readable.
10.43
